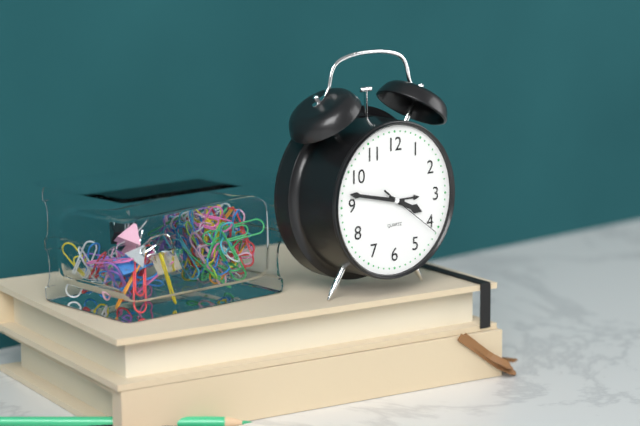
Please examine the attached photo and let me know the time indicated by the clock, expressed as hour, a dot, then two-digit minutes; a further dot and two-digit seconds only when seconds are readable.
3.47.21
